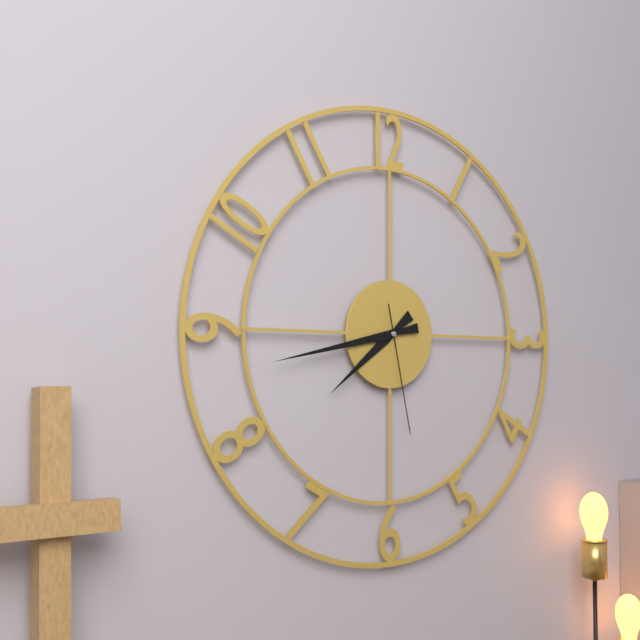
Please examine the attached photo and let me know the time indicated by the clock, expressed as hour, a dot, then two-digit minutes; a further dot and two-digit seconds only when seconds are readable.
7.43.28
